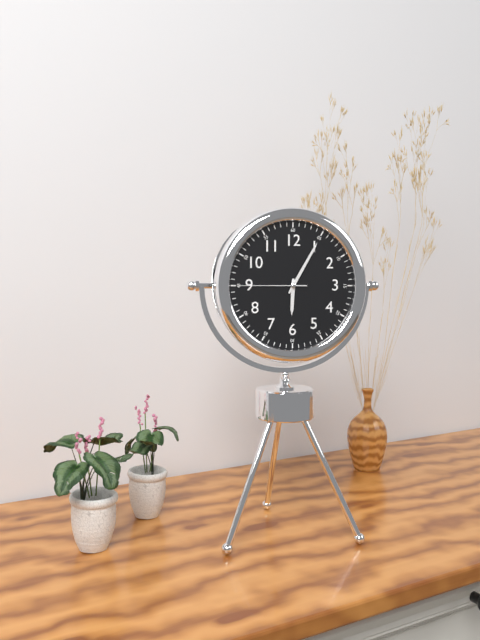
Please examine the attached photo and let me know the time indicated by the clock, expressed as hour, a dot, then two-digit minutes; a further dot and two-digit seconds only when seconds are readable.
6.05.45
